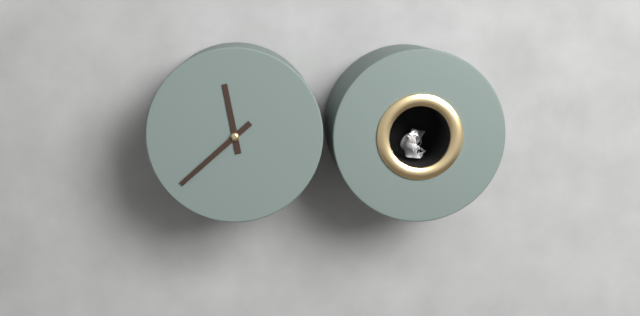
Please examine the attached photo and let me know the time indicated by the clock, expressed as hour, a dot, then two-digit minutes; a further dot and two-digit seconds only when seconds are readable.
11.38
